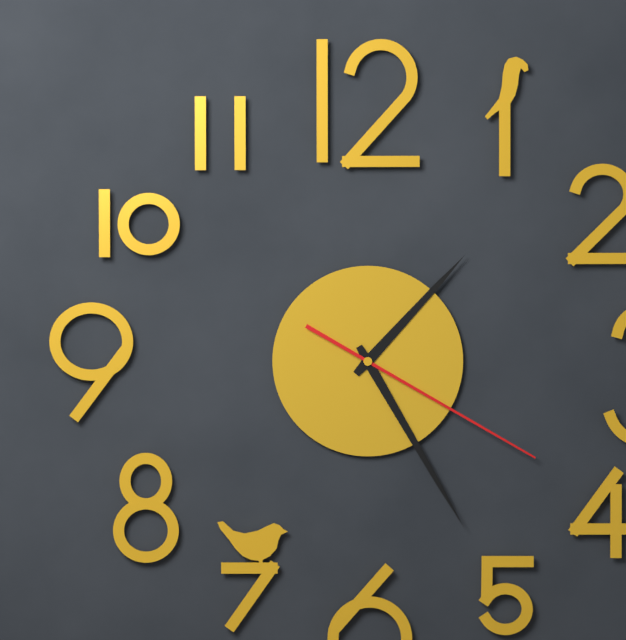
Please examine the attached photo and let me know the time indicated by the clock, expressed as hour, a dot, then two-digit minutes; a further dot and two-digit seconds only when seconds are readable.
1.25.20
